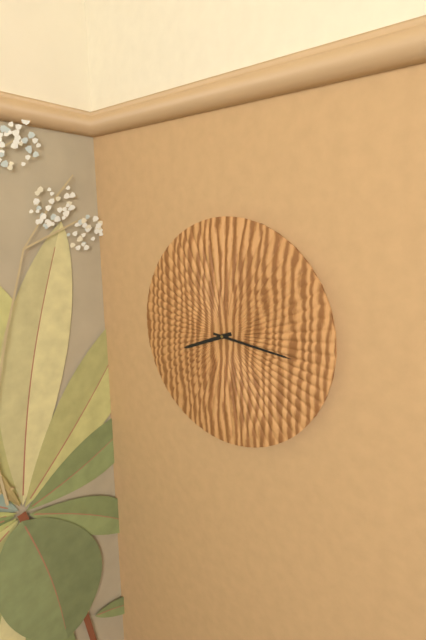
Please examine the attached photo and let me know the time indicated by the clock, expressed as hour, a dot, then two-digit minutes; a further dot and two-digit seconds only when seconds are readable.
8.16
